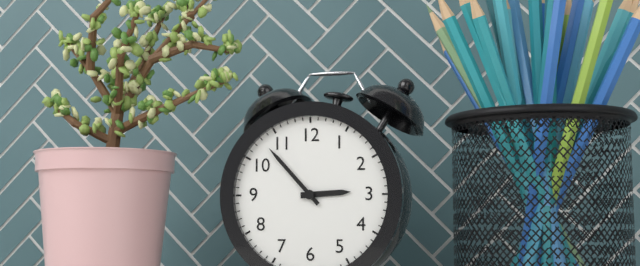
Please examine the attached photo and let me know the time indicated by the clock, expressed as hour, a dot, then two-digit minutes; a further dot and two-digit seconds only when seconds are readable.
2.53
